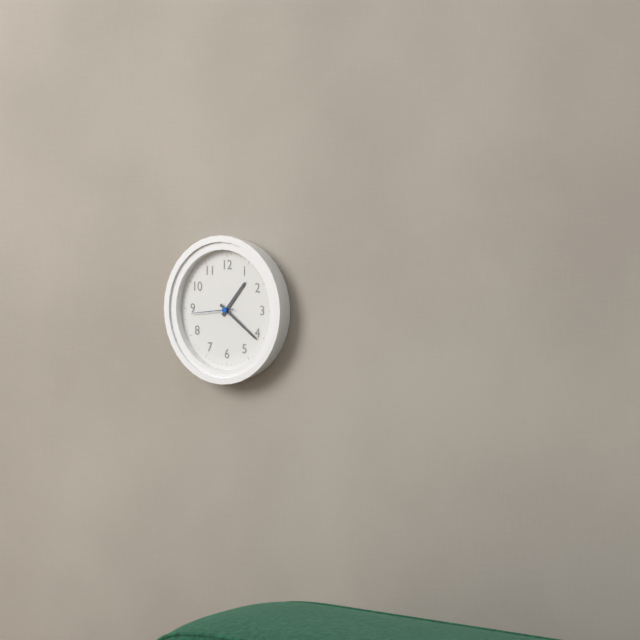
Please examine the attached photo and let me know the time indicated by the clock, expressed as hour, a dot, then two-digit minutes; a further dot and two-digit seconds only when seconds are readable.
1.21
